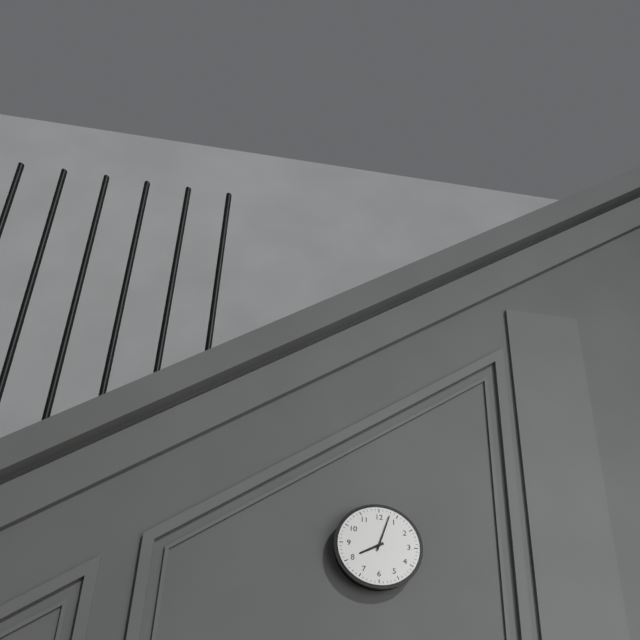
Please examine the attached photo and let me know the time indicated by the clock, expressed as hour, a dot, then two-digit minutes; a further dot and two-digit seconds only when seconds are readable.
8.03
